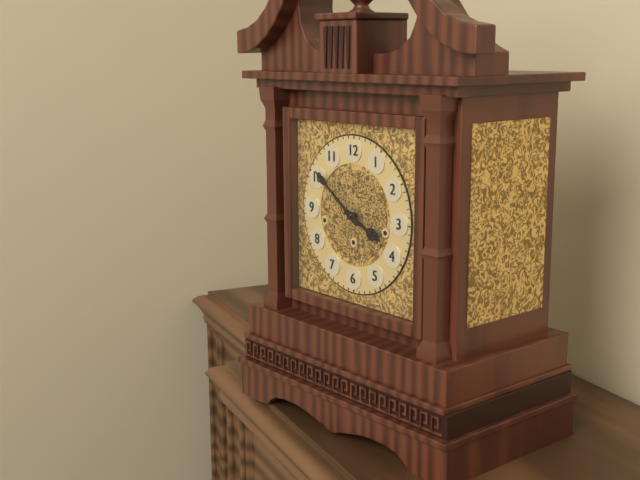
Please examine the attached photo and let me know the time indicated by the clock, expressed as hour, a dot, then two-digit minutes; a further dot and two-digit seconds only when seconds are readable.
3.51
